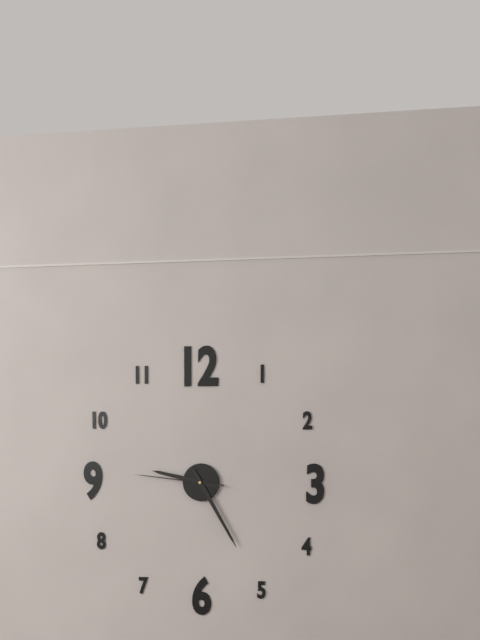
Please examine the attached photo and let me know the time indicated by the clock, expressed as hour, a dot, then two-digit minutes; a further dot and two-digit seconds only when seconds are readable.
9.25.46
